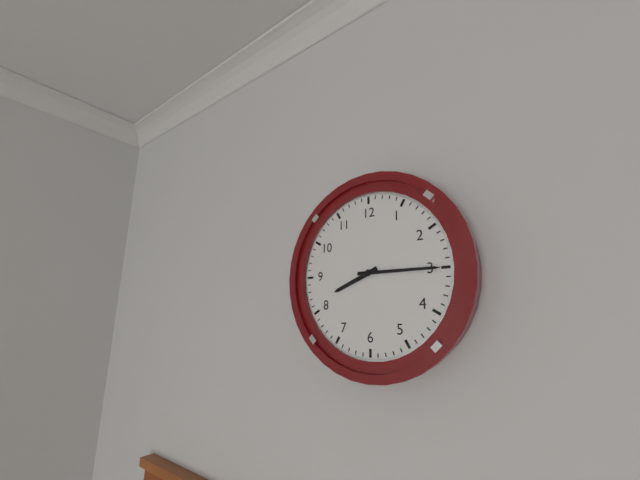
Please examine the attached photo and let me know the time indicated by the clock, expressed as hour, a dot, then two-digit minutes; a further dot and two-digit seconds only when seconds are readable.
8.15
